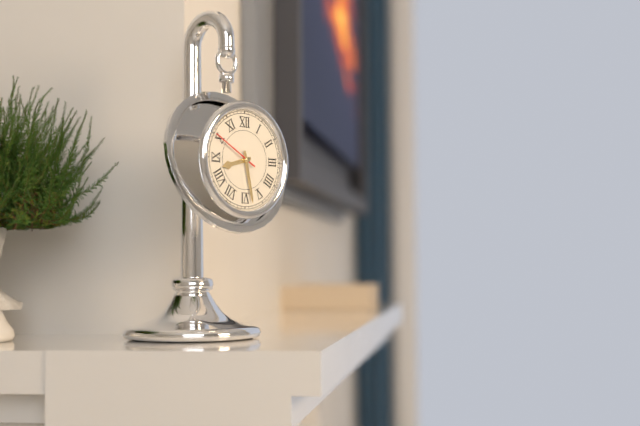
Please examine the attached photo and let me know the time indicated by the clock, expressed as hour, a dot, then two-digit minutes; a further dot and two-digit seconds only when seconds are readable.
8.28.50
